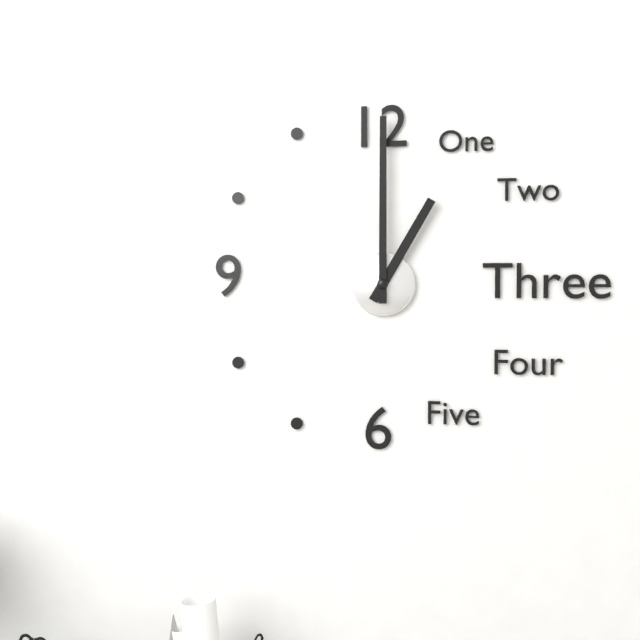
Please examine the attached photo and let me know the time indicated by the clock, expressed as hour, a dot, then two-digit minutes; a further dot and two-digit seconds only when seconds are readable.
1.00
